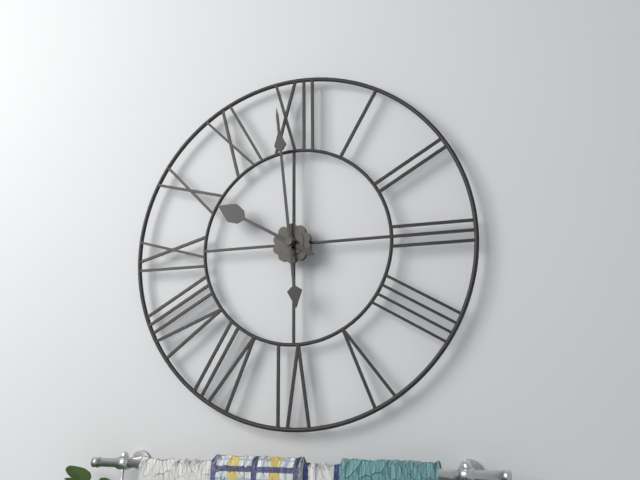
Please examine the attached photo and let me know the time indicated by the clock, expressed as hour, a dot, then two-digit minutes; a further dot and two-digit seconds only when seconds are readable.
9.59
